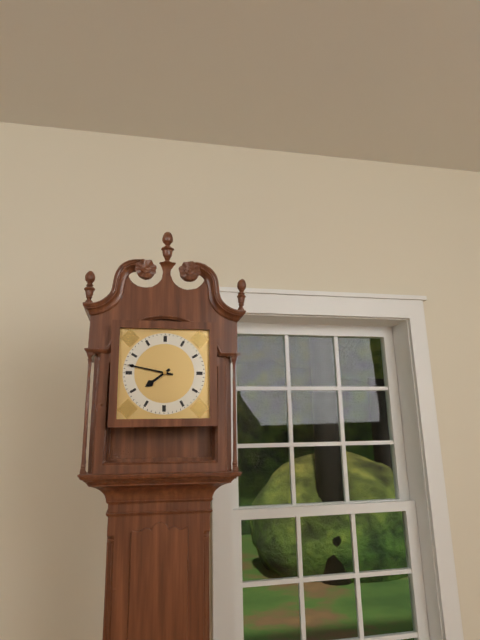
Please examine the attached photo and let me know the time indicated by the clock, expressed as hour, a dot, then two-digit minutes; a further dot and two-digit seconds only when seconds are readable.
7.47
